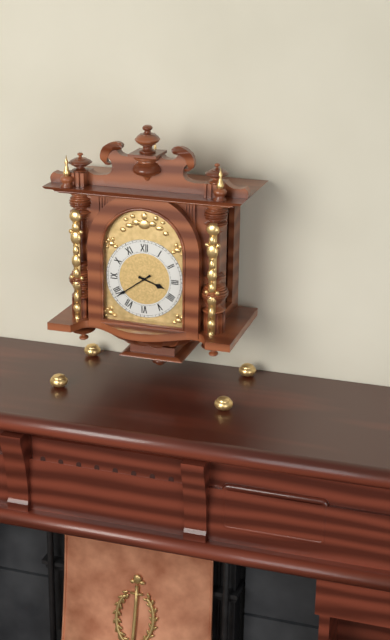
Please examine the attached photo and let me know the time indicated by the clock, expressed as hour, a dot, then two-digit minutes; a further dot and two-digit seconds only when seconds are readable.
3.39
